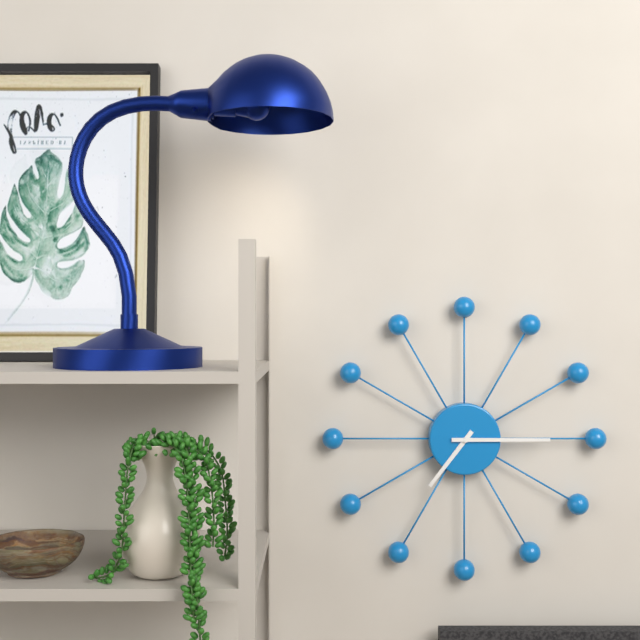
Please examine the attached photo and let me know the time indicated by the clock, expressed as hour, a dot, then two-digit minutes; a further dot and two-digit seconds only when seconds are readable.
7.15
